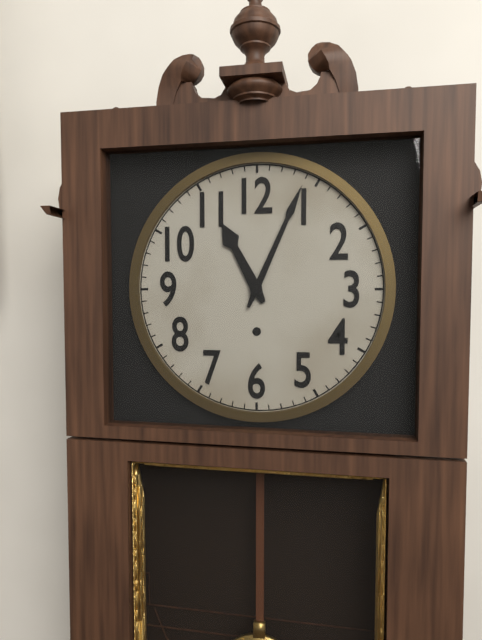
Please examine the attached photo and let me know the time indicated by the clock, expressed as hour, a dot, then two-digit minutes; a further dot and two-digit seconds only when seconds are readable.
11.04
